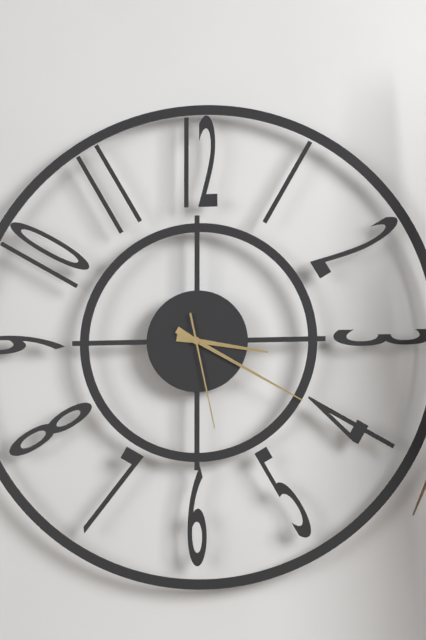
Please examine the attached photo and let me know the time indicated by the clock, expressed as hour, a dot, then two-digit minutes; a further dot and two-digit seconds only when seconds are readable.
3.20.28
